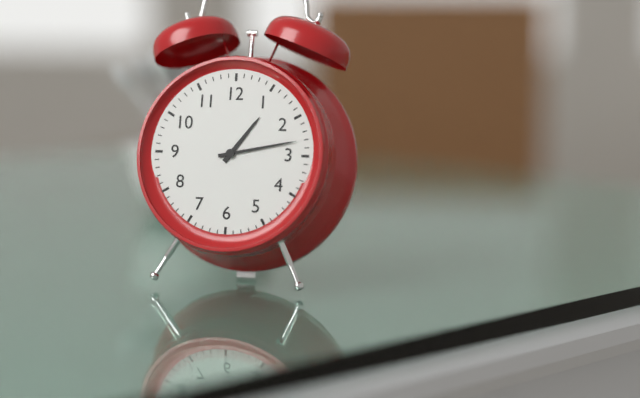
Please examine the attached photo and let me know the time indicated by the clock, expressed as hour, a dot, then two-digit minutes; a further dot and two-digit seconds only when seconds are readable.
1.13
